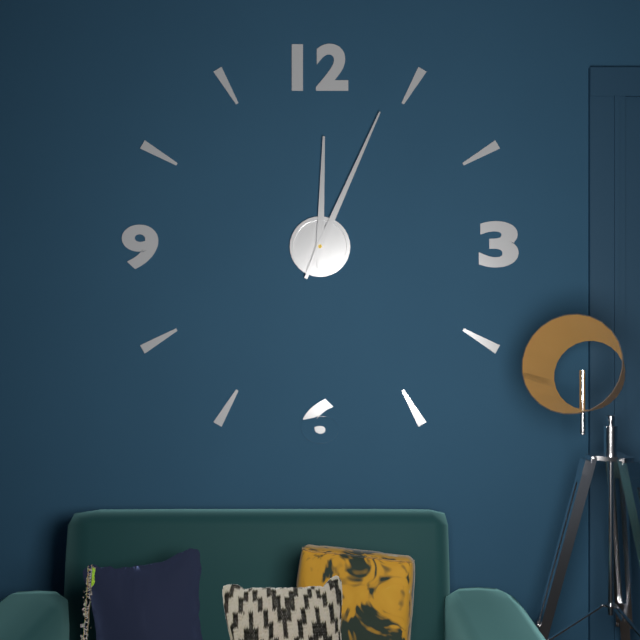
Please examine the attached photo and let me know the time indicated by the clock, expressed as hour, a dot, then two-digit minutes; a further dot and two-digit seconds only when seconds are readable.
12.04
